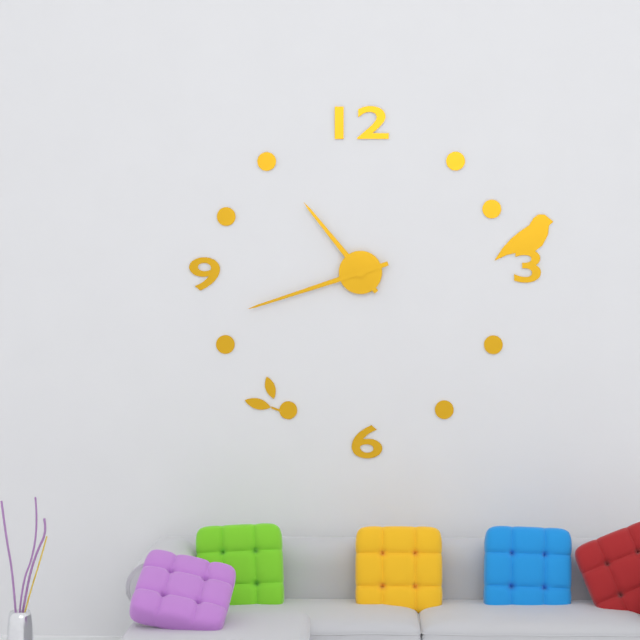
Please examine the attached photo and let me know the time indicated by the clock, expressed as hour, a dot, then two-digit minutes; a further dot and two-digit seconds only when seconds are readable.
10.42
